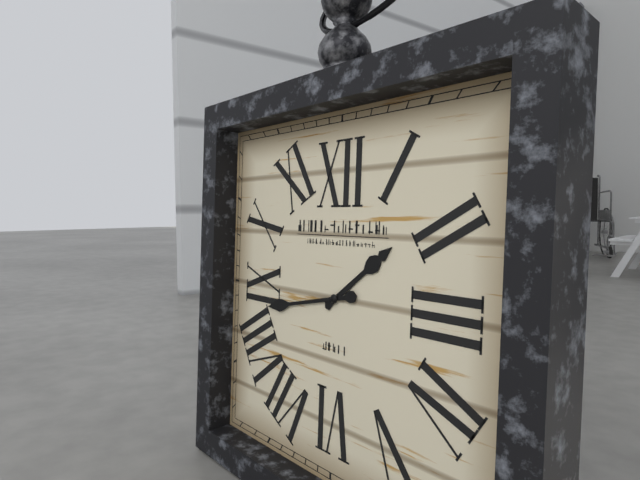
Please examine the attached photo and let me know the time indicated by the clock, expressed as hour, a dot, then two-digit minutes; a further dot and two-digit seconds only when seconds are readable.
1.43
